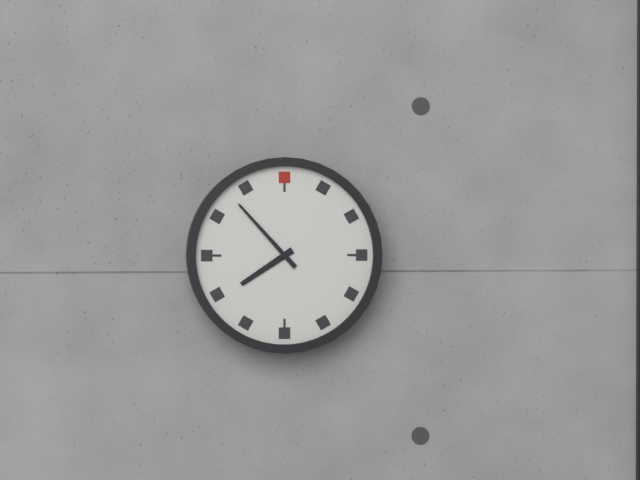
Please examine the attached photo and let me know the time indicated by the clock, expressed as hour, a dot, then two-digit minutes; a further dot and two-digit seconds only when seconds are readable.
7.53
